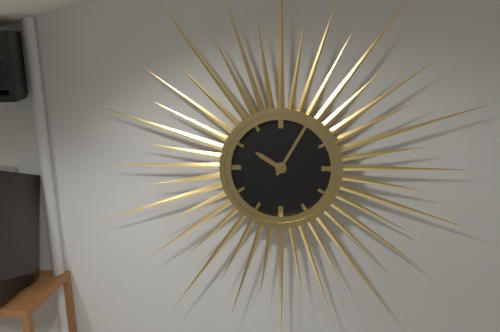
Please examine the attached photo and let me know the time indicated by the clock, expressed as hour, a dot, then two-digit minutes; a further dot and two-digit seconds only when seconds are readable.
10.05
